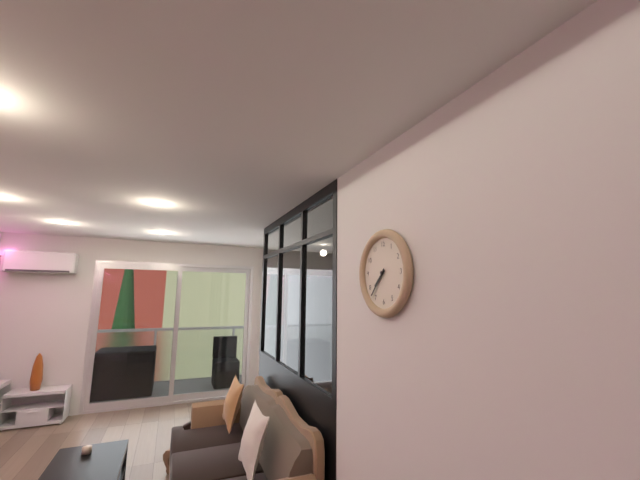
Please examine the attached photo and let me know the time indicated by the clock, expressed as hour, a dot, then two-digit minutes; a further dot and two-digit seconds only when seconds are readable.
7.37
